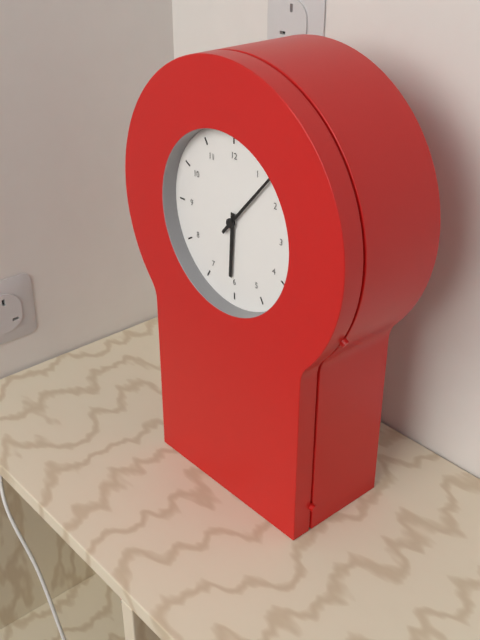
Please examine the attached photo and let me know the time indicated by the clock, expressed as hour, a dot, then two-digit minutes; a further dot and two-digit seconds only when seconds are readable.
6.07
